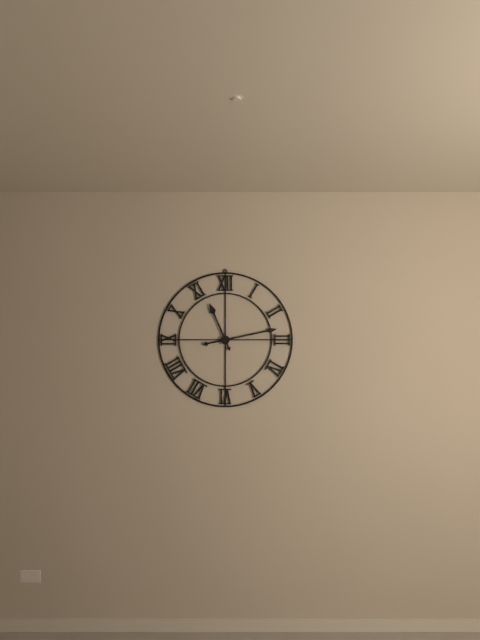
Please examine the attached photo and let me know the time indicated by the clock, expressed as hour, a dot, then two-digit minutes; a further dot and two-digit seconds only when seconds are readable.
11.13
